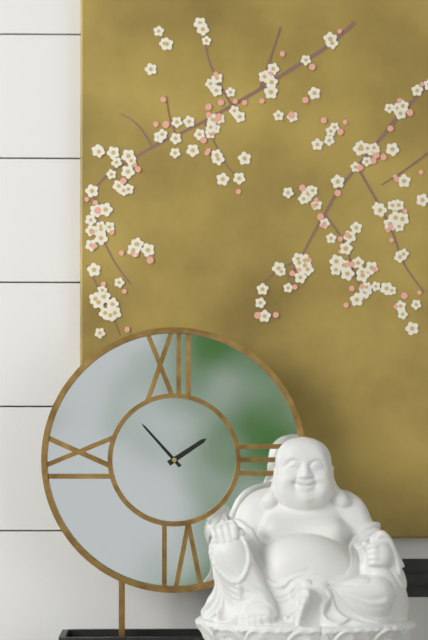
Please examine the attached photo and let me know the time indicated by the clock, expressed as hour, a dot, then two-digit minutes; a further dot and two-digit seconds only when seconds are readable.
1.53
